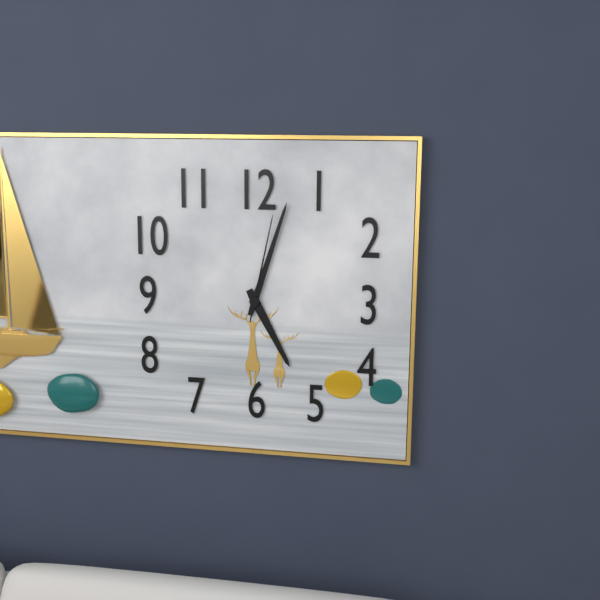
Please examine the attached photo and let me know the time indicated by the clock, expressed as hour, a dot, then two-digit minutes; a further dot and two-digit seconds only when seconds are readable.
5.03.02
